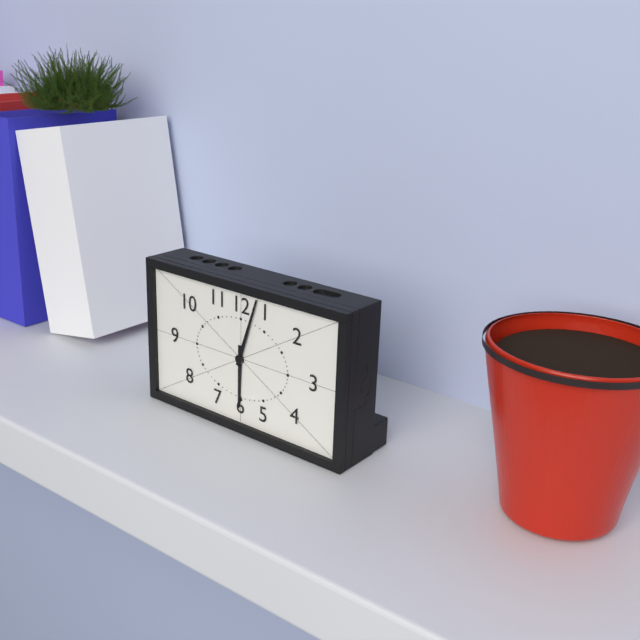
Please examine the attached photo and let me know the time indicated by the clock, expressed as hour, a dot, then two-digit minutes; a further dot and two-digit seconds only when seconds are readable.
6.03
